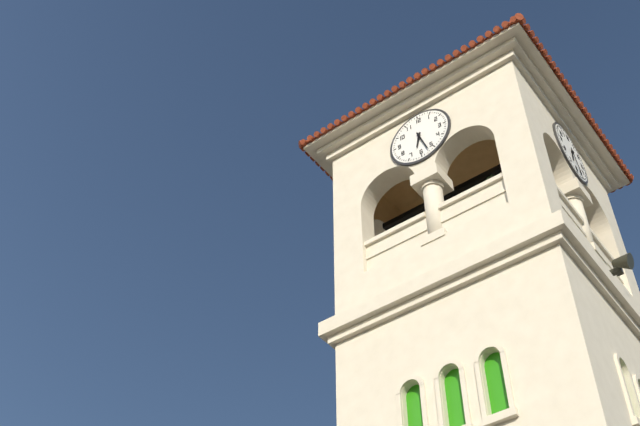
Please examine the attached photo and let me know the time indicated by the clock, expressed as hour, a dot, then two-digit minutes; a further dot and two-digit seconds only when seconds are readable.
6.27
